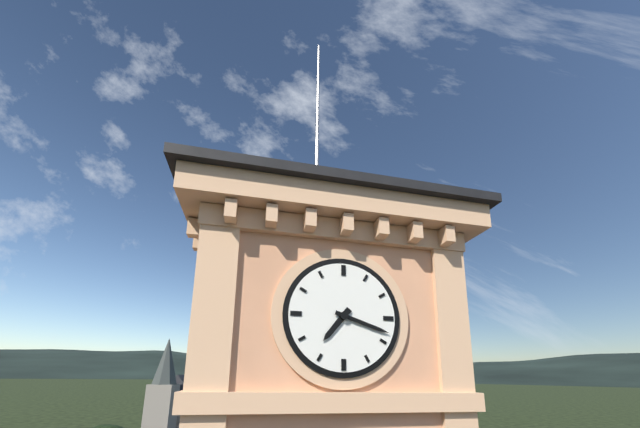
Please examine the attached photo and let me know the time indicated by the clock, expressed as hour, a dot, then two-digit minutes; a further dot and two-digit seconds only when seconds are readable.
7.18
